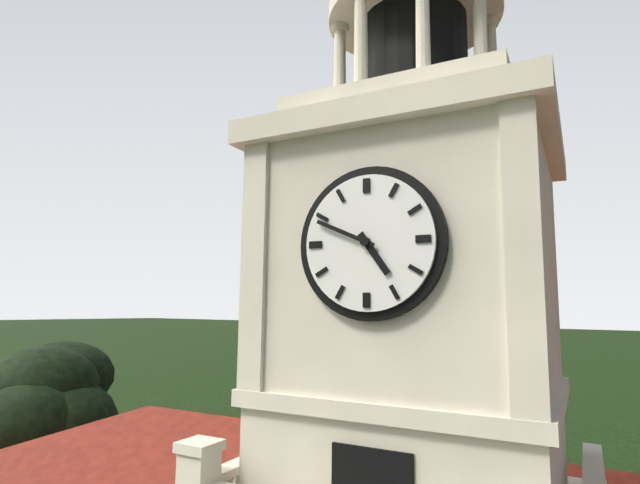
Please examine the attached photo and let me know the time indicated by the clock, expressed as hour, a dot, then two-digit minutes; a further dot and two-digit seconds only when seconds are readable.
4.49
